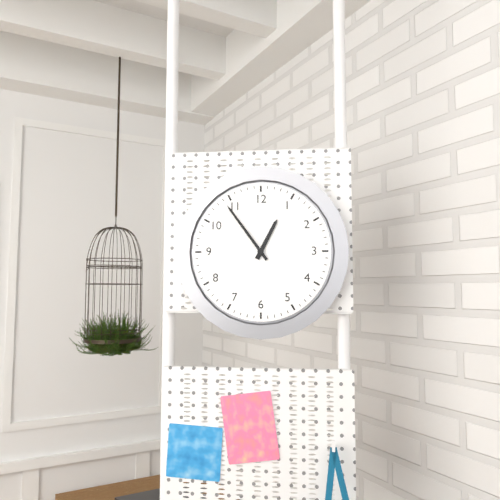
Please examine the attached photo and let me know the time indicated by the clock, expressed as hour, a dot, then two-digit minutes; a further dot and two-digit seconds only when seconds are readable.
12.54
